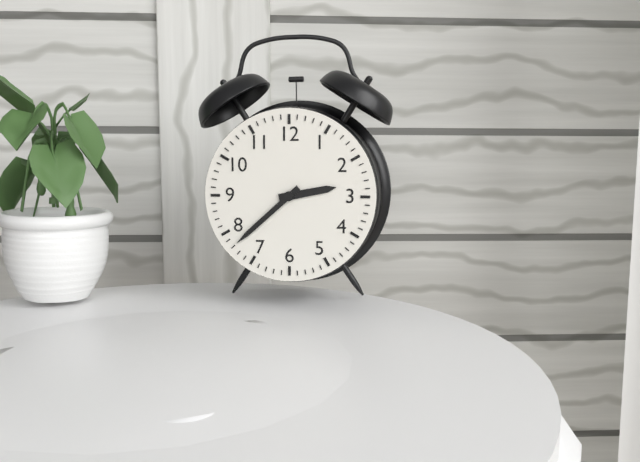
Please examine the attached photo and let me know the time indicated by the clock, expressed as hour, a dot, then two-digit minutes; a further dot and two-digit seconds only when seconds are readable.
2.38
